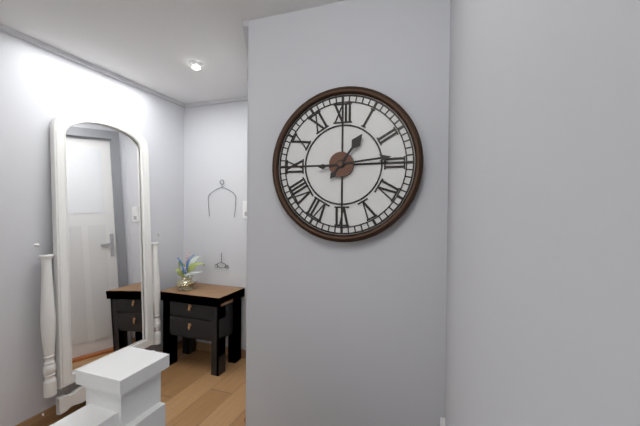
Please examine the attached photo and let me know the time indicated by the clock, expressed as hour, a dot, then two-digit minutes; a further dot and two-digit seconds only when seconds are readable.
1.14
